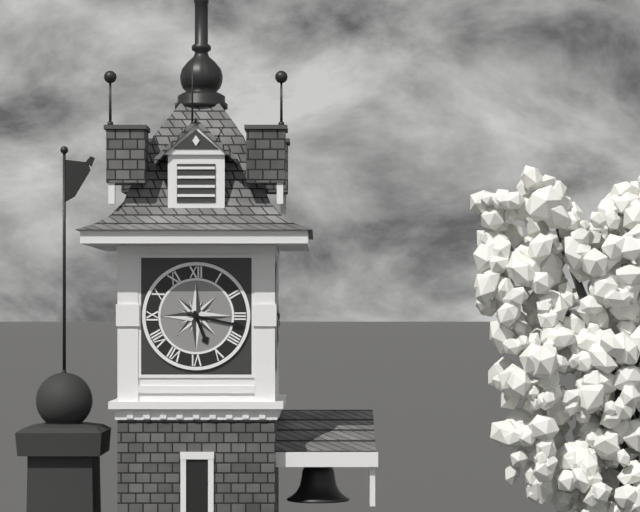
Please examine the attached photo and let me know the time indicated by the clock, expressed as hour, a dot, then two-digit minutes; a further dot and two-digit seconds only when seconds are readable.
5.17
